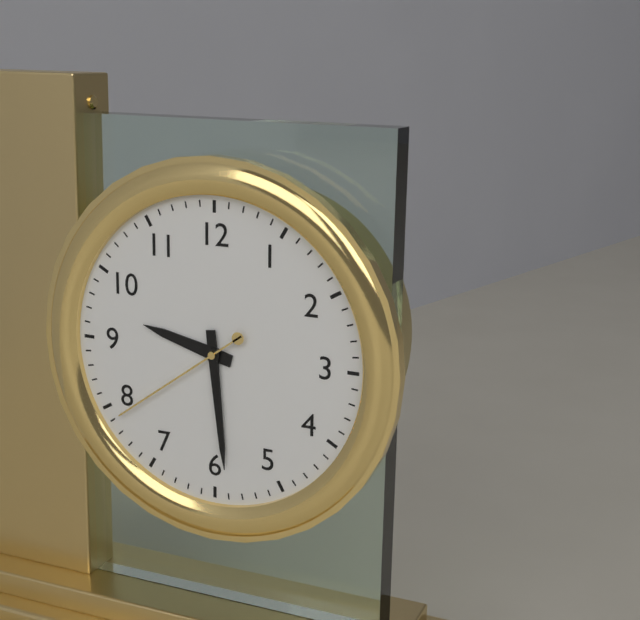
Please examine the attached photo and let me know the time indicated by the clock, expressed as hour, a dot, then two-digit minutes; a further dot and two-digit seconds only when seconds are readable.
9.29.39
